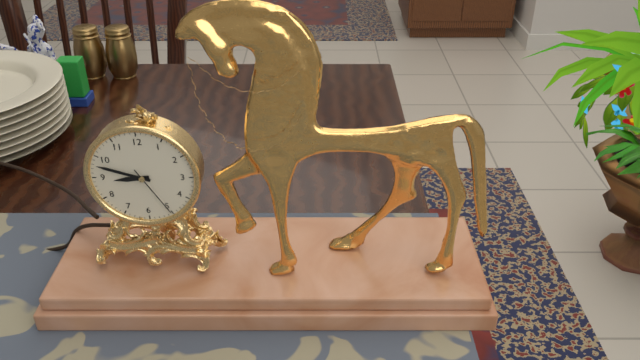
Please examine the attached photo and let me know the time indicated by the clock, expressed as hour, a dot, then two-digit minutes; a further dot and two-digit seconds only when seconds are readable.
8.48.25
